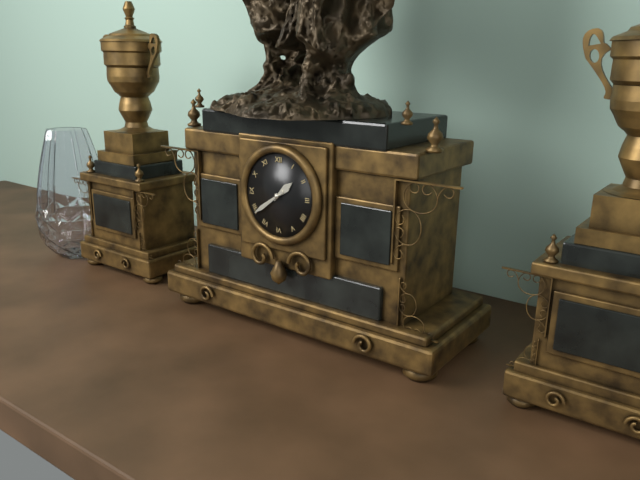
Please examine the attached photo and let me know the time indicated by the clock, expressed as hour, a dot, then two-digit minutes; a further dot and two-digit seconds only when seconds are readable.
1.39
